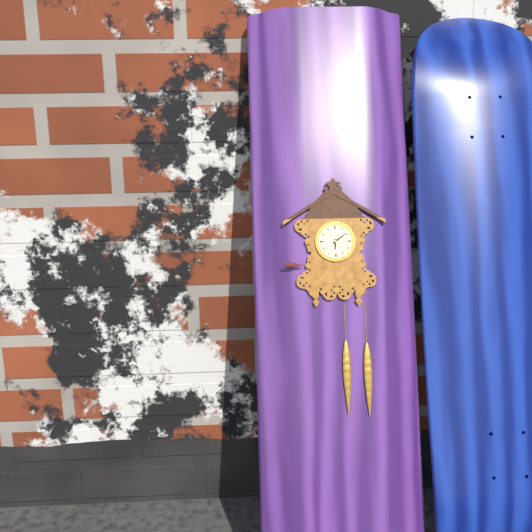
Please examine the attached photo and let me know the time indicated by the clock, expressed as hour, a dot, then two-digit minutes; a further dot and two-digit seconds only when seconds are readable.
6.09
